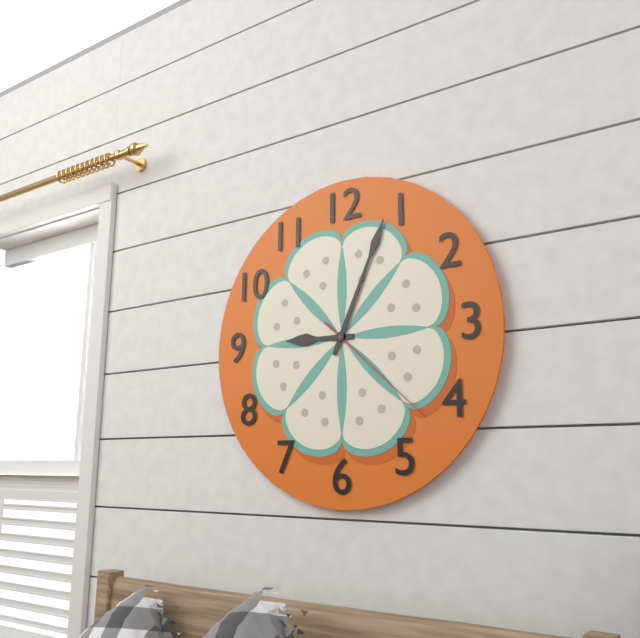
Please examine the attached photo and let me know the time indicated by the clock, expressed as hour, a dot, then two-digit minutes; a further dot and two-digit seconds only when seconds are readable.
9.04.22
